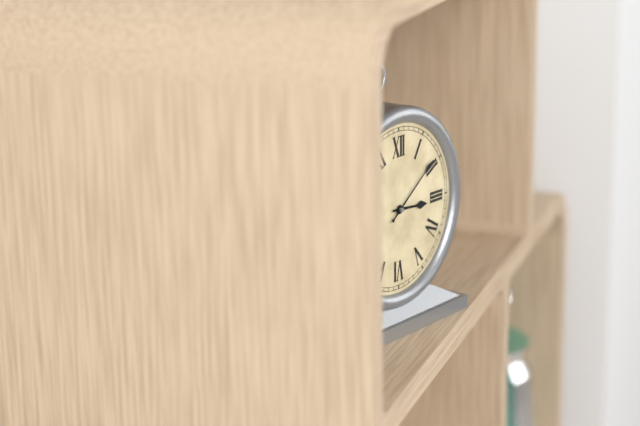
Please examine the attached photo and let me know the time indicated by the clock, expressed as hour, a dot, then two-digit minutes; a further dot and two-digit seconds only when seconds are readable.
3.09
